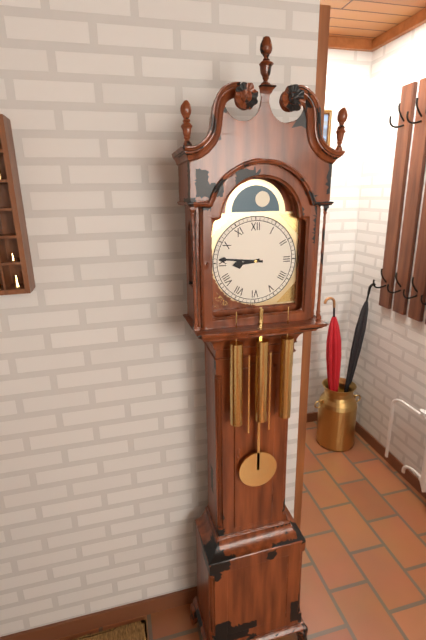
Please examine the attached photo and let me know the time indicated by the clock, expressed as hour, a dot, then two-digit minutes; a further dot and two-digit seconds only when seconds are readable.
8.46
